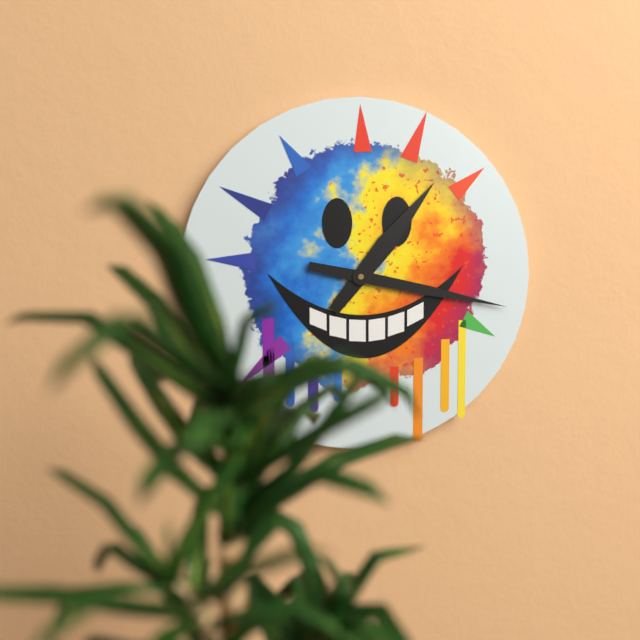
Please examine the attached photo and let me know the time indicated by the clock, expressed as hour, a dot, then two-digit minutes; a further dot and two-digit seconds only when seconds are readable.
1.17
